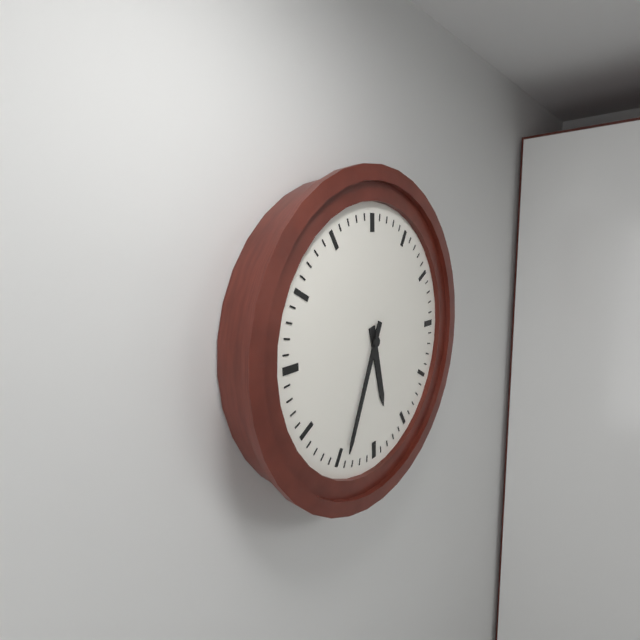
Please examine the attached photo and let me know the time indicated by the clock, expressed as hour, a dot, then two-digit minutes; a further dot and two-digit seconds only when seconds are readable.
5.34
